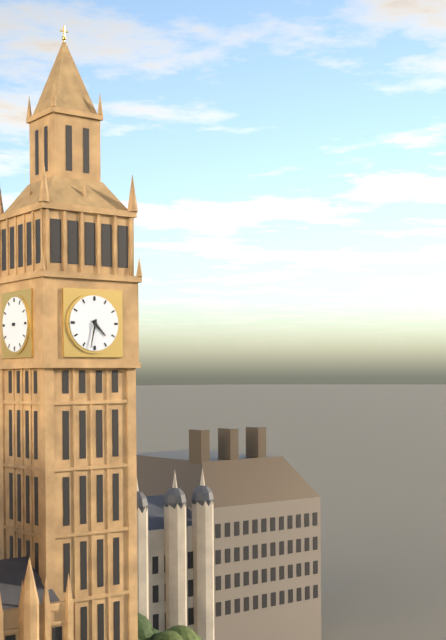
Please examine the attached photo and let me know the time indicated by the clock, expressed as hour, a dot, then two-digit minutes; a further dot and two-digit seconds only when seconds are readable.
4.32
